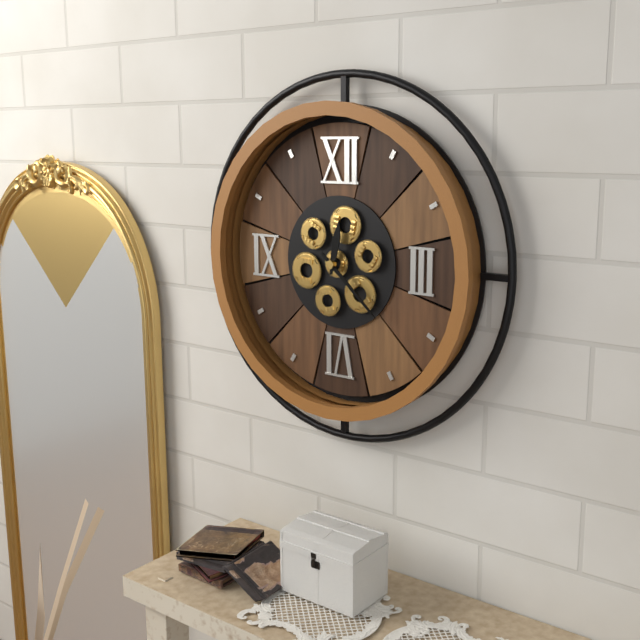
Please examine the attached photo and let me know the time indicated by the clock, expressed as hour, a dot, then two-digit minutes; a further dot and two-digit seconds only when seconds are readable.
12.22
